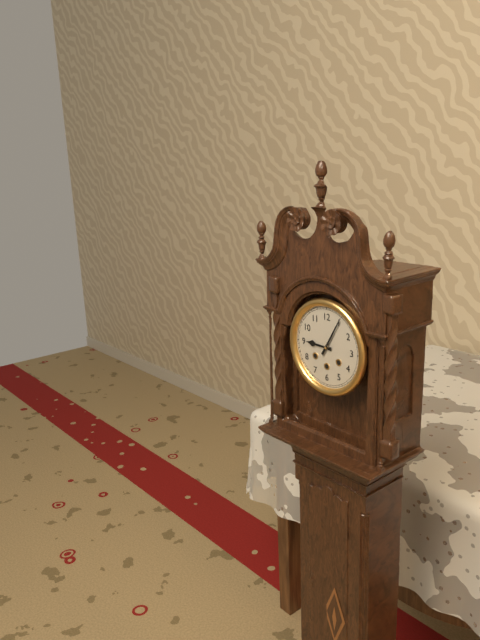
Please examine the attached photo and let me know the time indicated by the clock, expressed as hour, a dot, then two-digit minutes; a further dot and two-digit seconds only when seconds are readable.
9.05
